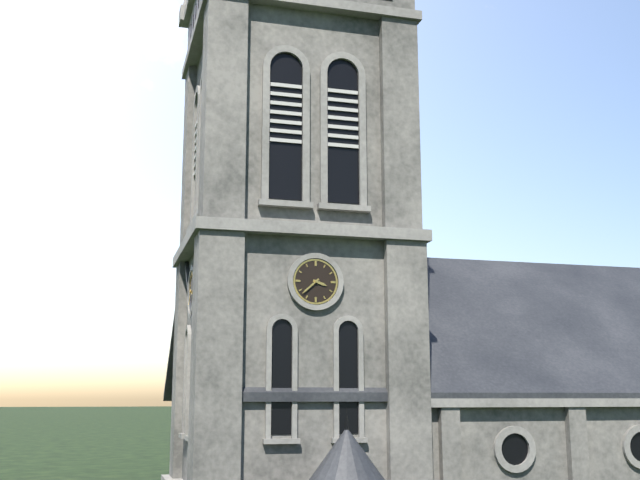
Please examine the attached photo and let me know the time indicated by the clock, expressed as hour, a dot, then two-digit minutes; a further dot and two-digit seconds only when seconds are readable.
3.38
